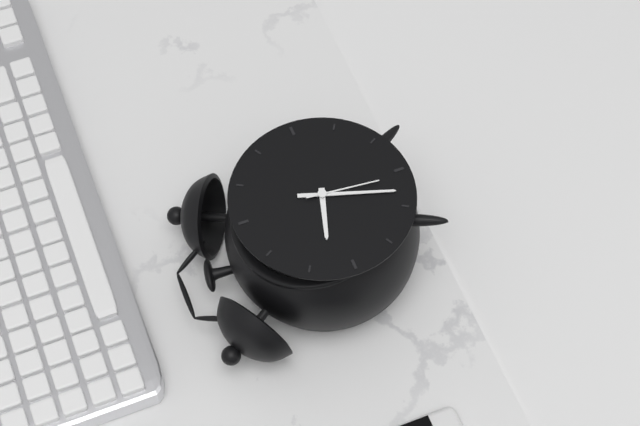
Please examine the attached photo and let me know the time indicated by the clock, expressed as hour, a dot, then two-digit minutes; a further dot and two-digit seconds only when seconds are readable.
9.33.31
